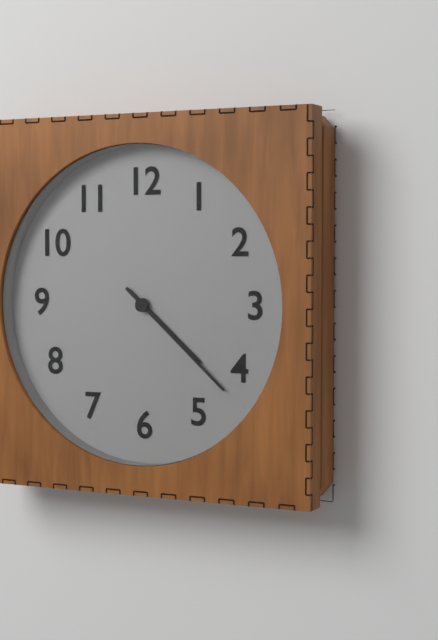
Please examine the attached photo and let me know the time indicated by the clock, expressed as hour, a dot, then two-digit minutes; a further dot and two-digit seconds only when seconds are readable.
4.22
